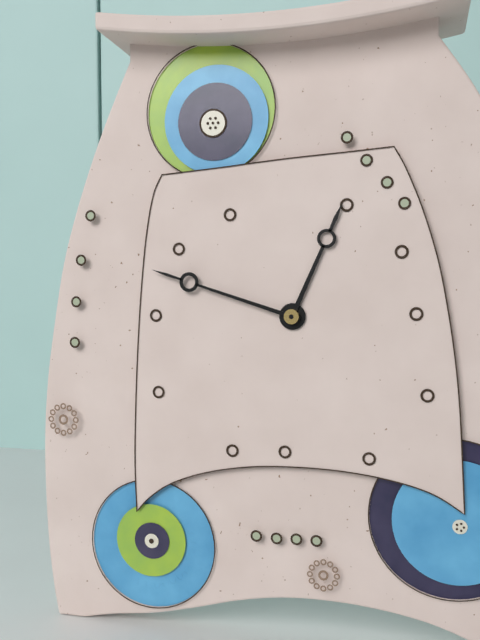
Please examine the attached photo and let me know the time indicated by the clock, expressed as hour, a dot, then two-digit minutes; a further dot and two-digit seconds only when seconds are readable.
12.48
